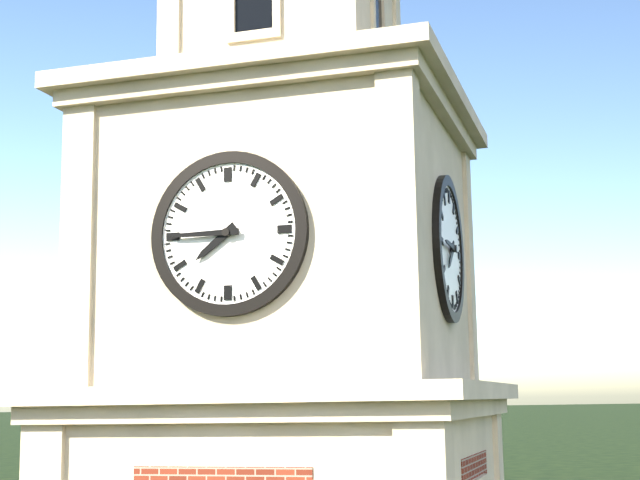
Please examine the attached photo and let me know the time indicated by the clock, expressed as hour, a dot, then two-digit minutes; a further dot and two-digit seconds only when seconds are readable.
7.45
